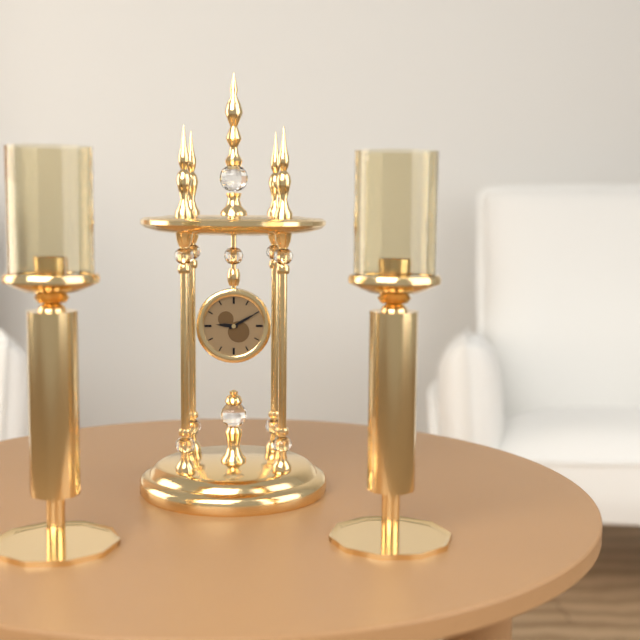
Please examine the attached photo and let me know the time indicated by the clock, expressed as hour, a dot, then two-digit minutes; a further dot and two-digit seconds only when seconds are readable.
9.10
